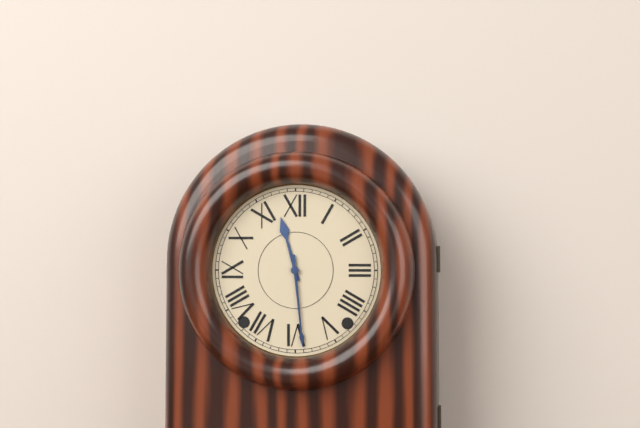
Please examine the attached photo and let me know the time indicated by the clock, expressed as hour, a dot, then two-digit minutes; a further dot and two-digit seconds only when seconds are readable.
11.29
